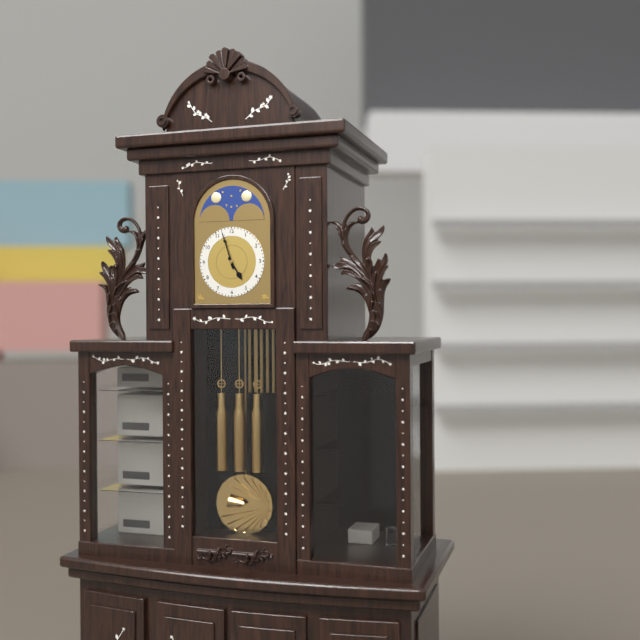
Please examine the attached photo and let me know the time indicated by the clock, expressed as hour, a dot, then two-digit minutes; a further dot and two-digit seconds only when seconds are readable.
4.57
